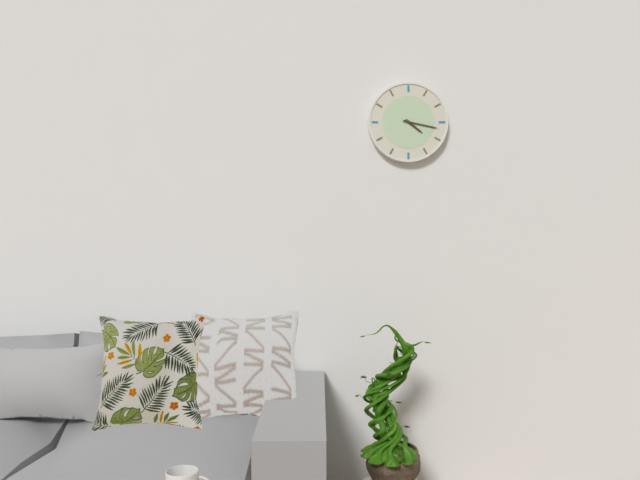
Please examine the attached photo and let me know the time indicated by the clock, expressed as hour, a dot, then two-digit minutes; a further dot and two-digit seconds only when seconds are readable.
4.17
